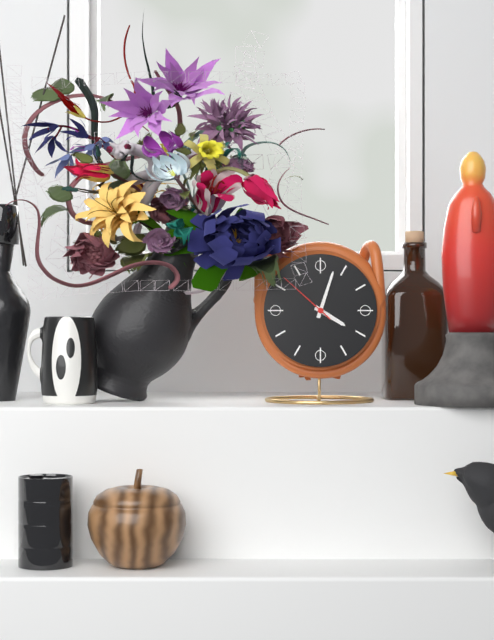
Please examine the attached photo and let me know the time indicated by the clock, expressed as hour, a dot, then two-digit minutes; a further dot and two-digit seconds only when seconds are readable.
4.03.52
